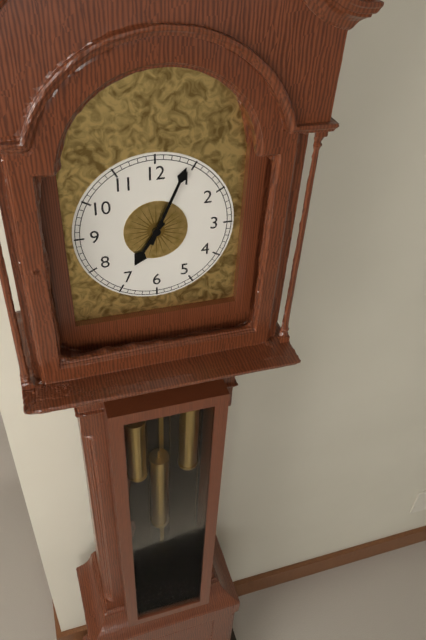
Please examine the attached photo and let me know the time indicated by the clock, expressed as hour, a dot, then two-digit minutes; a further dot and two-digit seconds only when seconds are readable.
7.04
